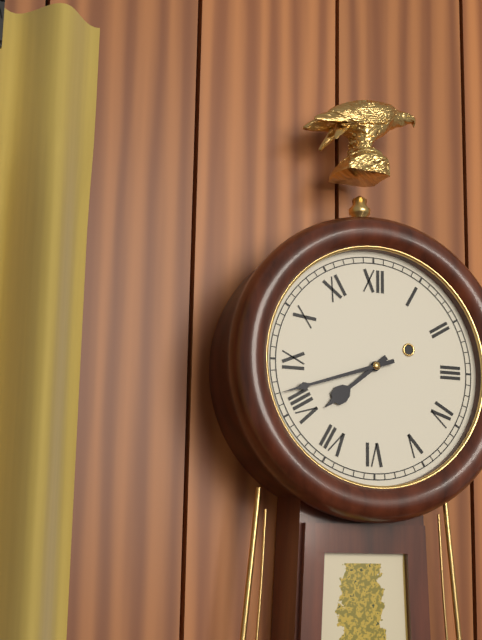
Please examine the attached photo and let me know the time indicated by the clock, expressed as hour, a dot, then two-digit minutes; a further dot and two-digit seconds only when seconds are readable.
7.42
